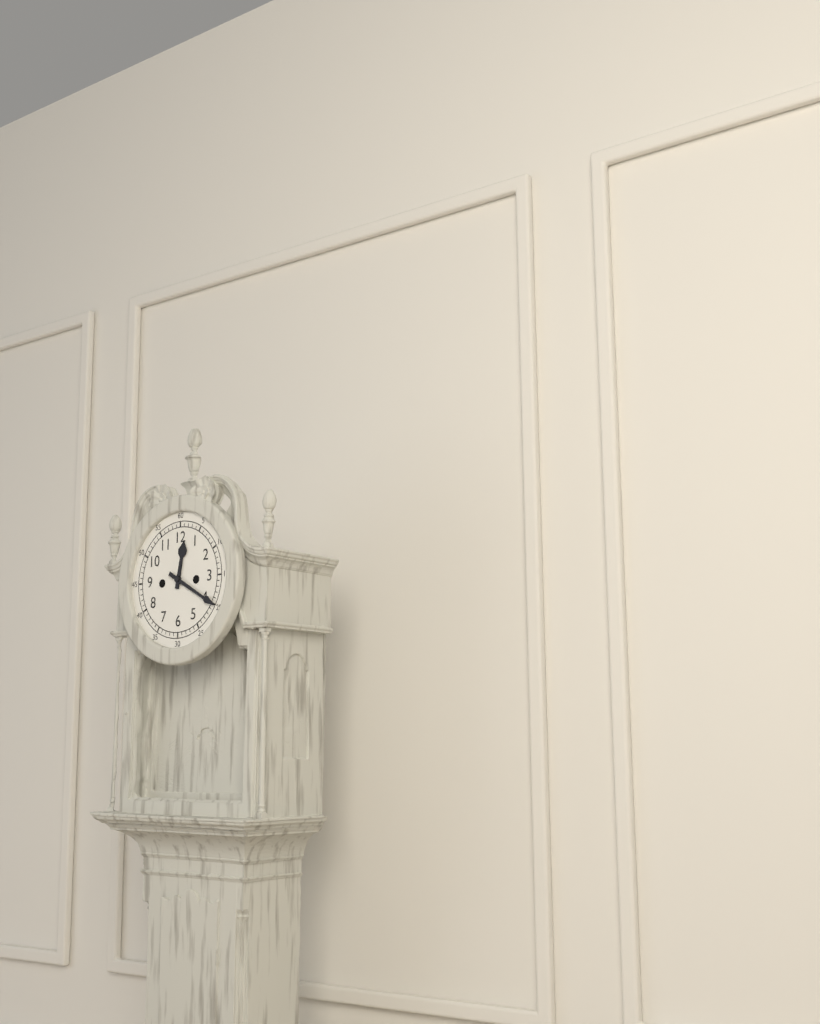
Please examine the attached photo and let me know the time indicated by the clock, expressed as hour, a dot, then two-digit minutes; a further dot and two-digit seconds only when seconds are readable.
12.20
